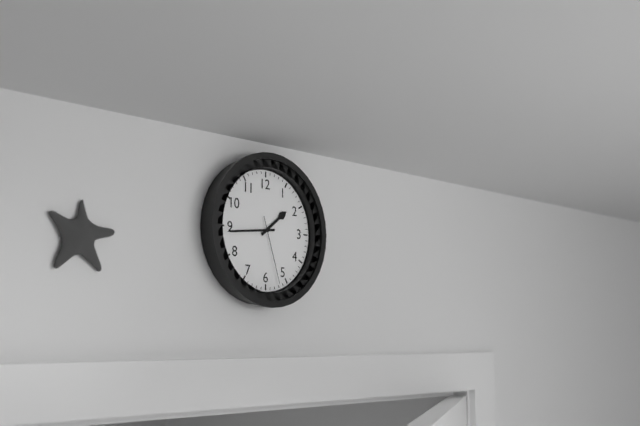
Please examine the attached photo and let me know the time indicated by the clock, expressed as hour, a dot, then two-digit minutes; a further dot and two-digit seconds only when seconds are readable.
1.44.27
